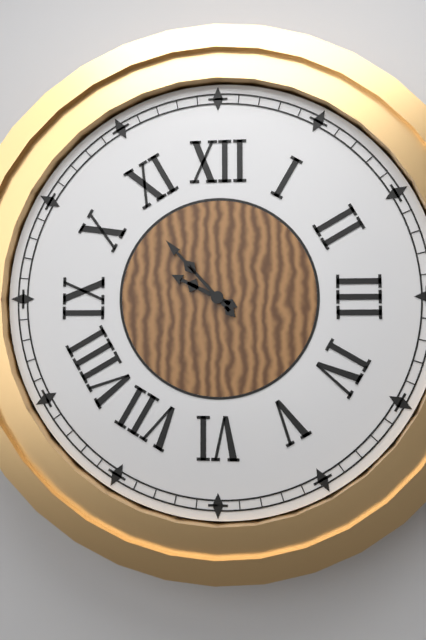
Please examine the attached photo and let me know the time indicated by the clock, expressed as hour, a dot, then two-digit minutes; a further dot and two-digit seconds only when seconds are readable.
9.53
